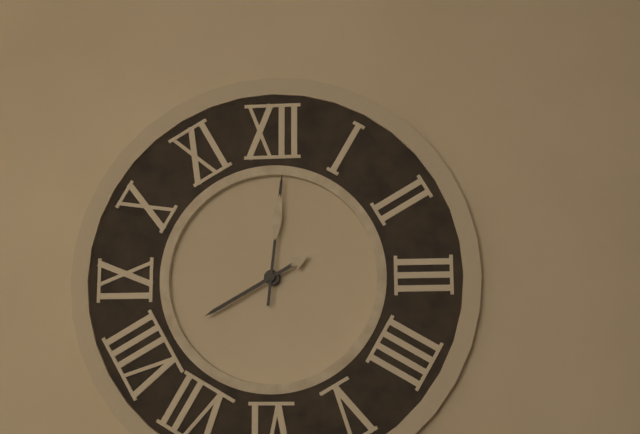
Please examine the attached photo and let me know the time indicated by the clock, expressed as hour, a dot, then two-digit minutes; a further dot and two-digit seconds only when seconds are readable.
8.01
